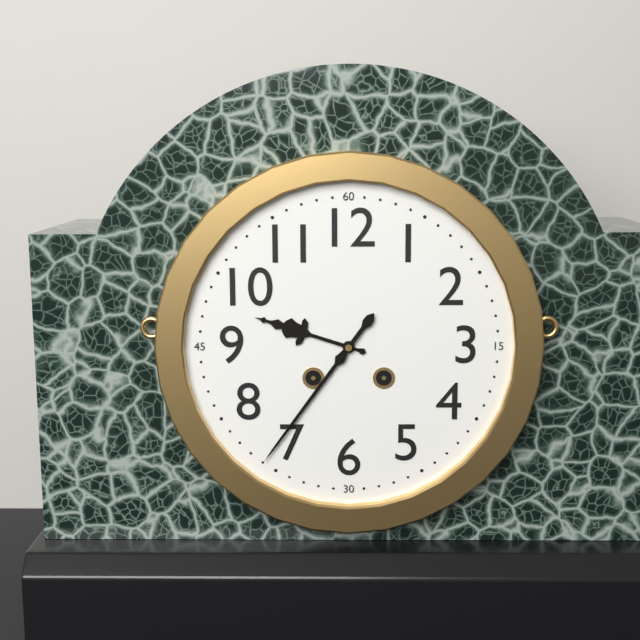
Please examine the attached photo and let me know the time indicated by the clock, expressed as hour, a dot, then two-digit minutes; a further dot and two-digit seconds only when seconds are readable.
9.36
